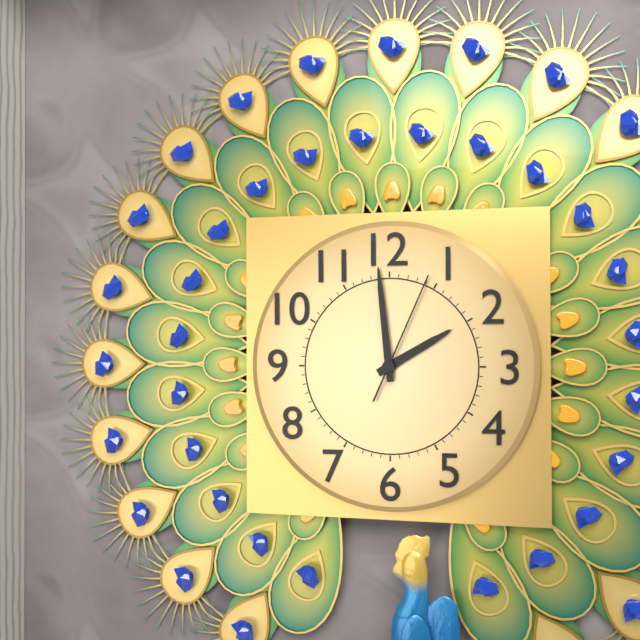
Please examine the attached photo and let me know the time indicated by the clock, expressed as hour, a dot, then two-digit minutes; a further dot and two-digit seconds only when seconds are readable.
1.59.04
